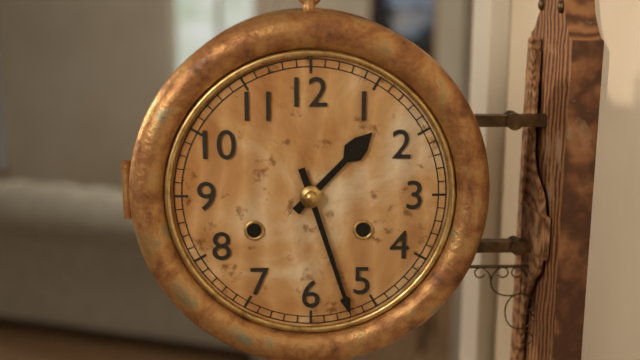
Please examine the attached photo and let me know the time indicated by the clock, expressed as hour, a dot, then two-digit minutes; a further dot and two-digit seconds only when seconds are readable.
1.27
